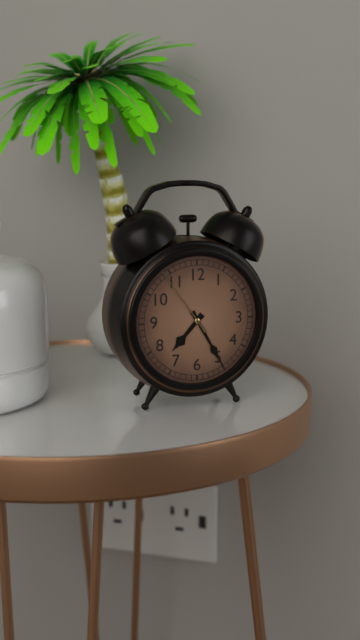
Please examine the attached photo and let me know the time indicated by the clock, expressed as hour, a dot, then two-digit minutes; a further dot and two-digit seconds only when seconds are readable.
7.25.54
